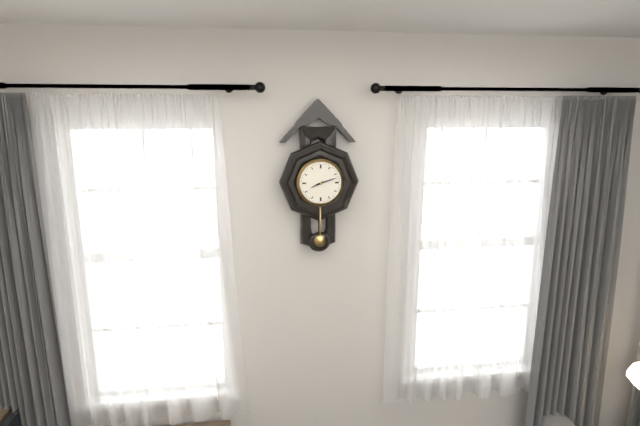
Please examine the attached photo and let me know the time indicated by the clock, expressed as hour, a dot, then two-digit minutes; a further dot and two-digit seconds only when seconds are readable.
8.12
